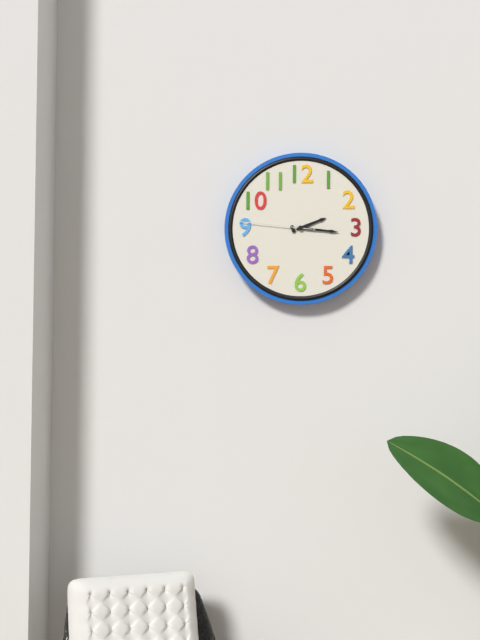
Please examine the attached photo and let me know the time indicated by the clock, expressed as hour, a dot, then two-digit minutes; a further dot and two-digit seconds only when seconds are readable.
2.16.46
